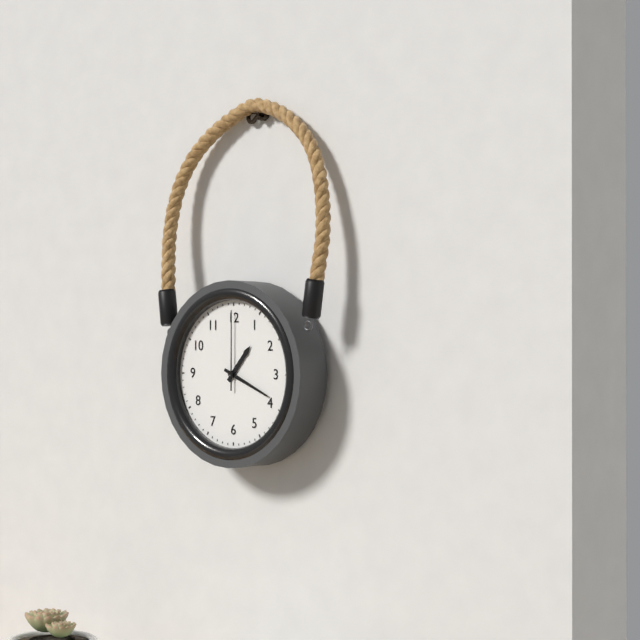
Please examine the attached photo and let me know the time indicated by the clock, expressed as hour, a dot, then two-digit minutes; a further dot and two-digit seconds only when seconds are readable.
1.19.00
